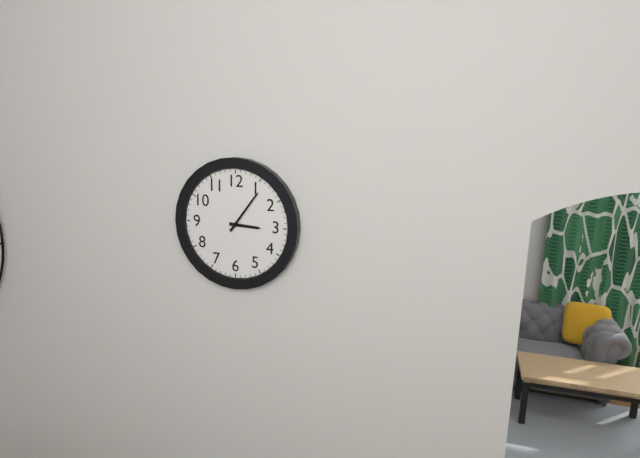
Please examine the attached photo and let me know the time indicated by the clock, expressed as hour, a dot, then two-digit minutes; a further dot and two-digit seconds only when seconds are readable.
3.06
